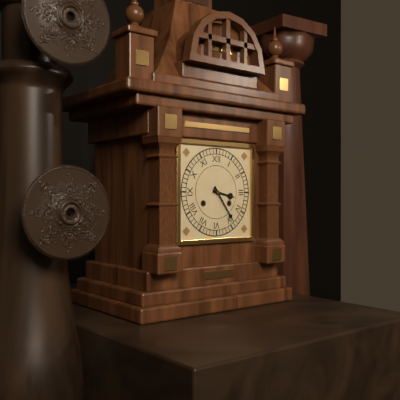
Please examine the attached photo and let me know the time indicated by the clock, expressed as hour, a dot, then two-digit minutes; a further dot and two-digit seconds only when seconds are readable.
3.24
